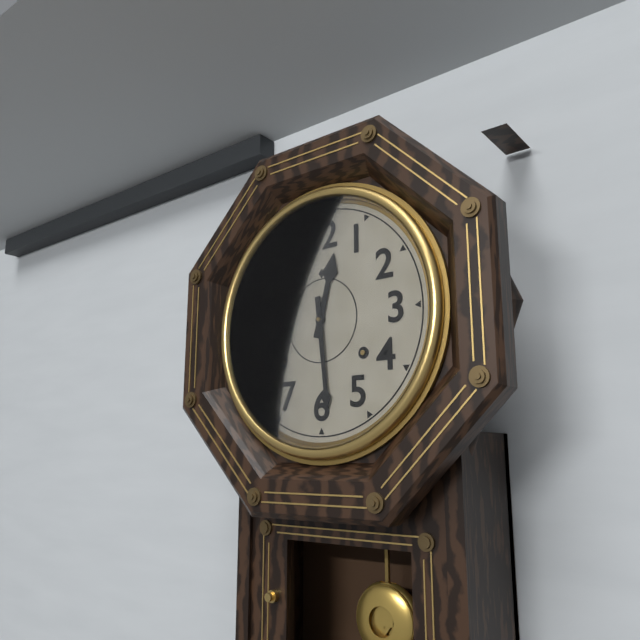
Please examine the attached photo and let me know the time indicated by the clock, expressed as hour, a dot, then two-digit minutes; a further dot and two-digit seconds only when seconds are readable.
12.29
